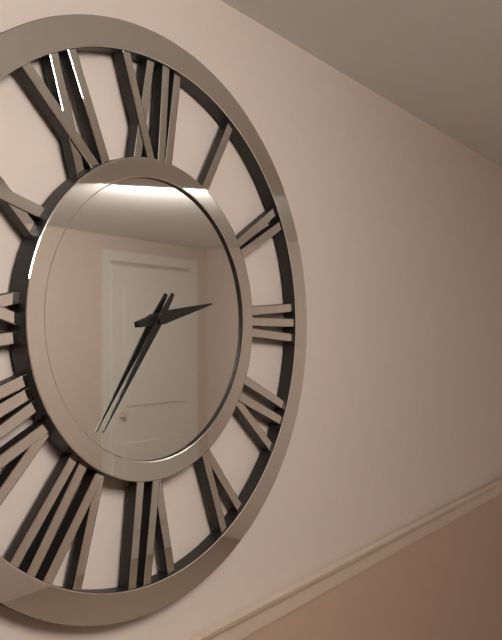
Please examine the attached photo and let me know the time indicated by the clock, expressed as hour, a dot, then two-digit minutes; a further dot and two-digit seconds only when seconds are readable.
2.36
